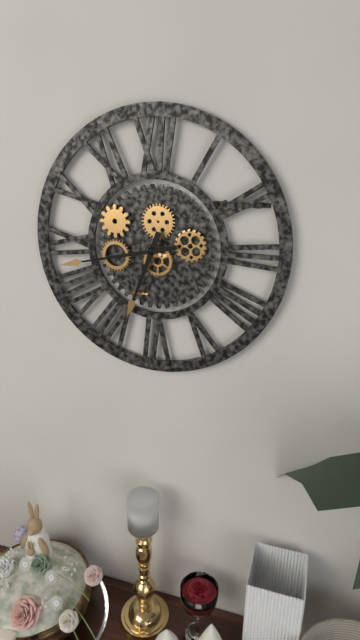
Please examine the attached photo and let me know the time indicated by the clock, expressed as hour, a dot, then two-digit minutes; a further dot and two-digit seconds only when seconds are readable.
6.43
